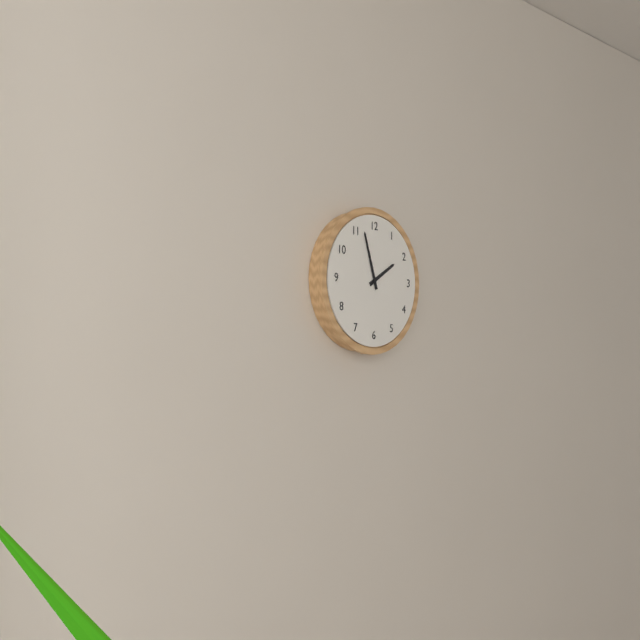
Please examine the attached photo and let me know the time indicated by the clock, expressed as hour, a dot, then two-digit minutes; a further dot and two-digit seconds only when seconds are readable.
1.57
